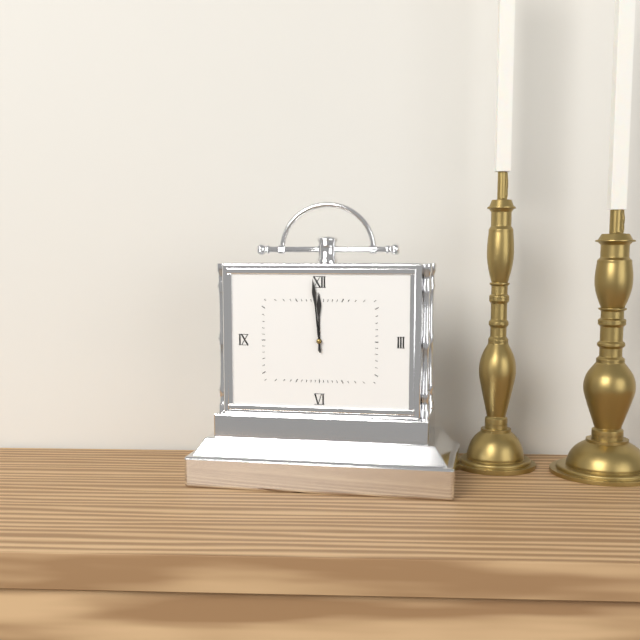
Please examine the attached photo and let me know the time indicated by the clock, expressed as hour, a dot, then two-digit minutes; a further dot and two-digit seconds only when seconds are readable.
11.59
